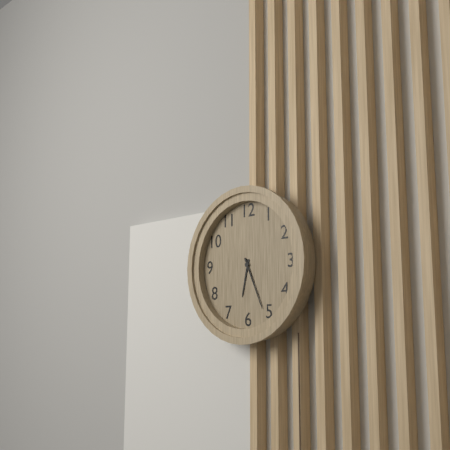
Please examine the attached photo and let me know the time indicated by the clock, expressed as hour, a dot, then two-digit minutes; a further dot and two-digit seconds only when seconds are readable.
6.26
